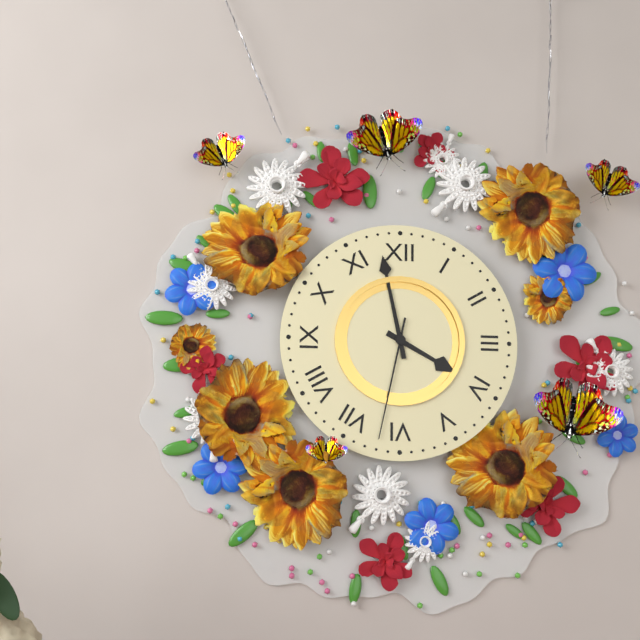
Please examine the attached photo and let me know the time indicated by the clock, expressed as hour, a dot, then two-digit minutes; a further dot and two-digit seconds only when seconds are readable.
3.58.32
